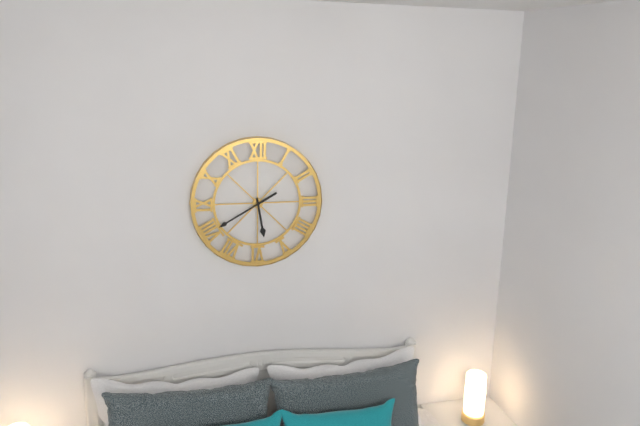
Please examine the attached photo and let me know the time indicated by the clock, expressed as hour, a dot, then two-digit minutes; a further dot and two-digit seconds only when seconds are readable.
5.40
